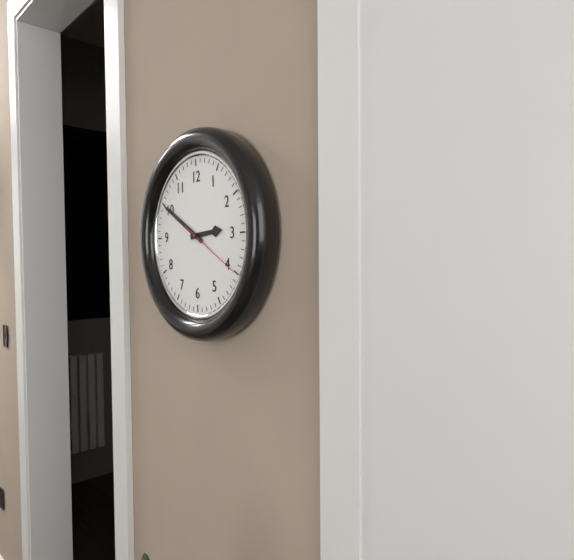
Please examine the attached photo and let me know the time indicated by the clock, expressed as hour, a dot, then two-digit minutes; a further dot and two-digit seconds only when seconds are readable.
2.50.20
